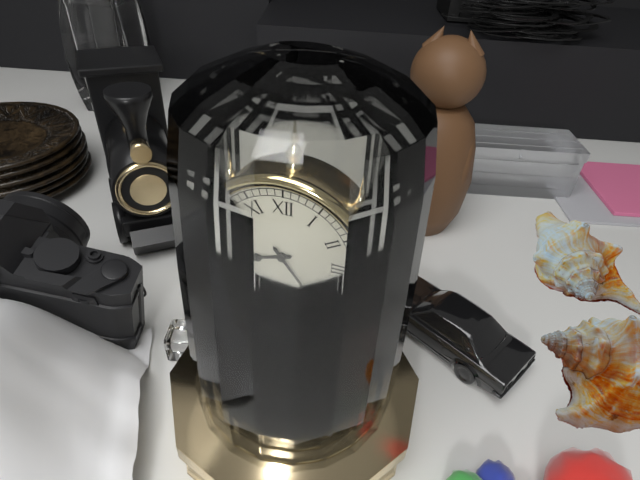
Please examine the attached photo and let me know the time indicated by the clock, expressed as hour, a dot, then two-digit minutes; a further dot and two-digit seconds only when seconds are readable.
8.24
